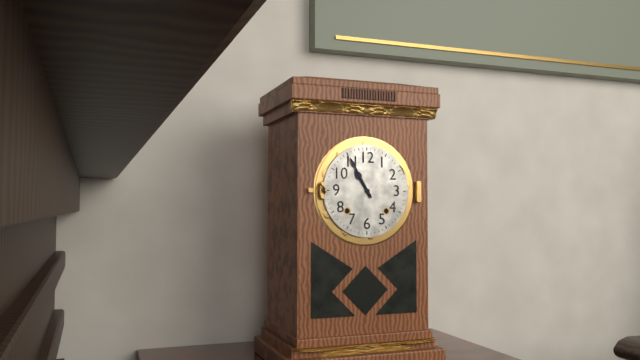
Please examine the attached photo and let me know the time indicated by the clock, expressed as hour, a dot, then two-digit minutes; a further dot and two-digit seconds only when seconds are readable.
10.55
